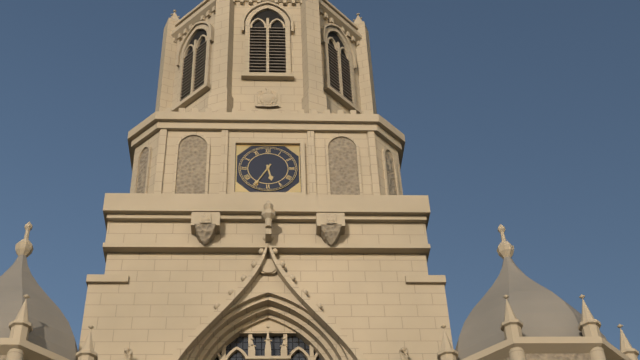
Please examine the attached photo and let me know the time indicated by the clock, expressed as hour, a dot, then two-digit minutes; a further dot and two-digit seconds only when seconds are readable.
5.35
